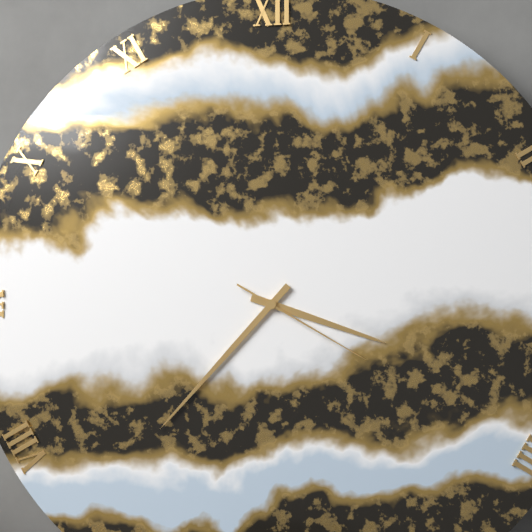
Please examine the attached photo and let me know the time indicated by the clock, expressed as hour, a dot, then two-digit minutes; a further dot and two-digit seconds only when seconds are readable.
3.37.20
